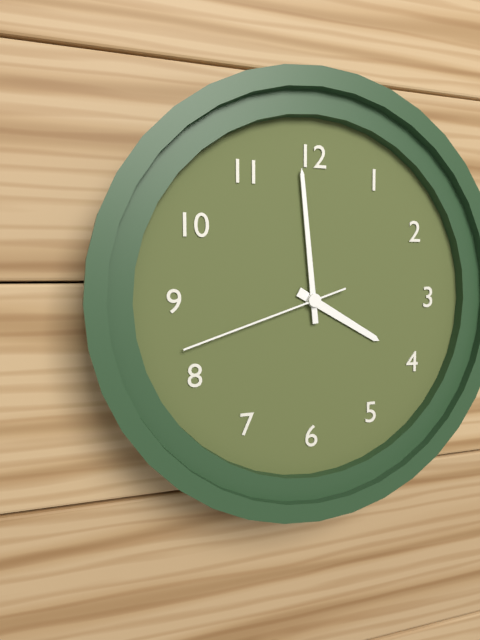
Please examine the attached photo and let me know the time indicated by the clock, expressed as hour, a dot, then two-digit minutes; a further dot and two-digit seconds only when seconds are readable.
3.59.42
